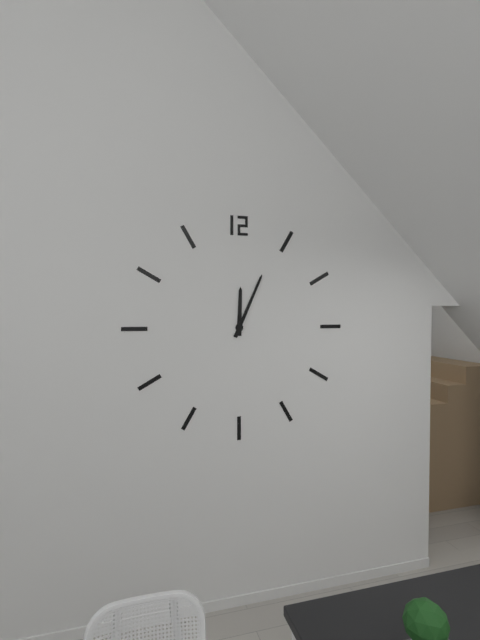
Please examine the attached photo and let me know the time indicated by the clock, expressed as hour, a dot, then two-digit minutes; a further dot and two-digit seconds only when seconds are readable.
12.04
